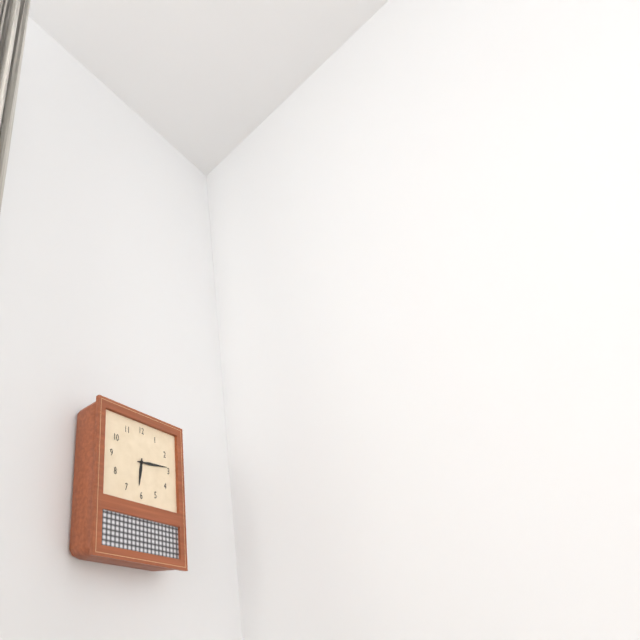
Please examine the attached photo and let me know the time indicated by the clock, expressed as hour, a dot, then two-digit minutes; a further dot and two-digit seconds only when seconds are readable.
6.14
